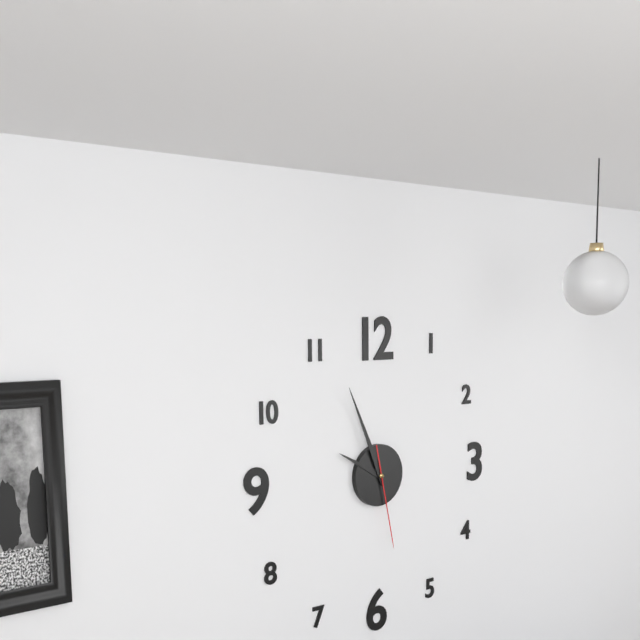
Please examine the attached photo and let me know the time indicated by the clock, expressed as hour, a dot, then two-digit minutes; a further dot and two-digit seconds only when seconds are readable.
9.56.28
